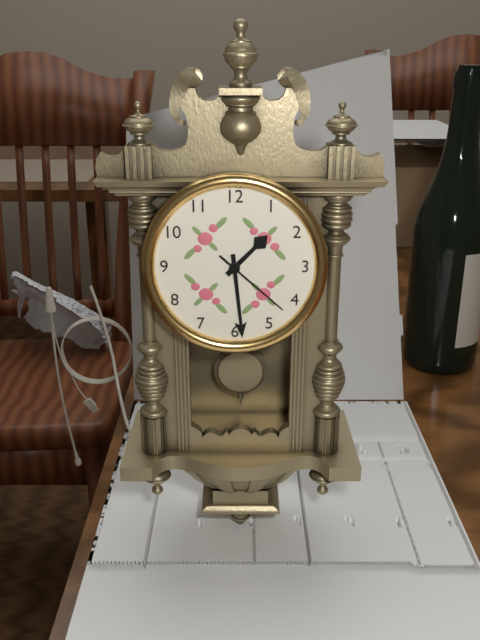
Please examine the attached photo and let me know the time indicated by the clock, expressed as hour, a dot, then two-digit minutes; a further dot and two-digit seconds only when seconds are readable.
1.29.22
